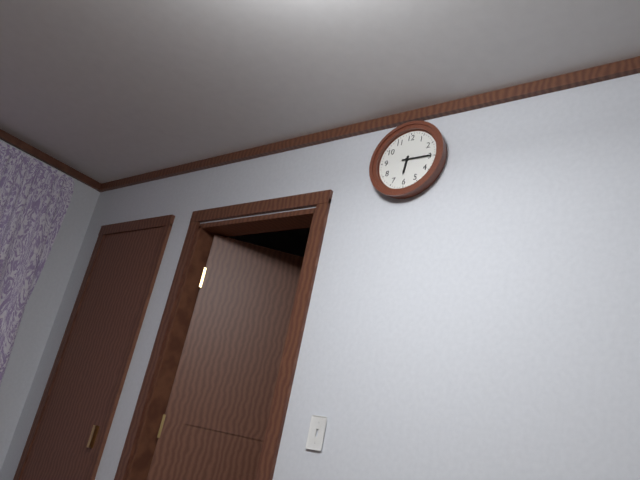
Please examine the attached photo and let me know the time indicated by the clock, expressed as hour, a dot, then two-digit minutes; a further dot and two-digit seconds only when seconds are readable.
6.15
